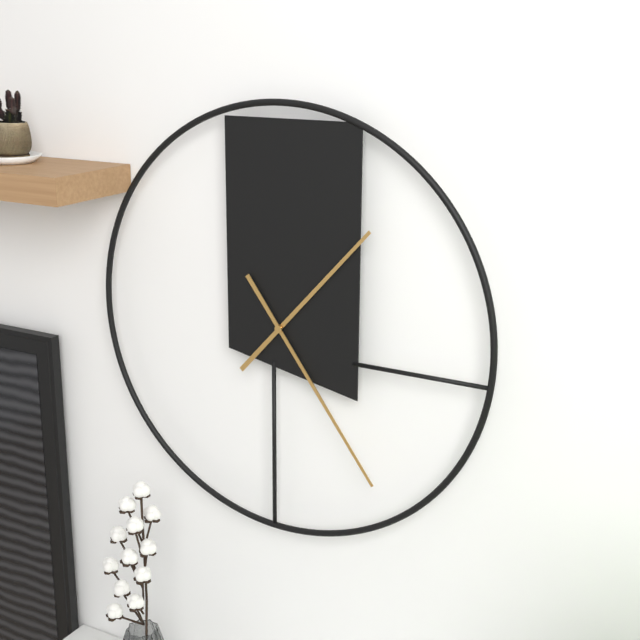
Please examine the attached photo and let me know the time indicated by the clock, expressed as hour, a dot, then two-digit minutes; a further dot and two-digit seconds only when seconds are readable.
1.24
